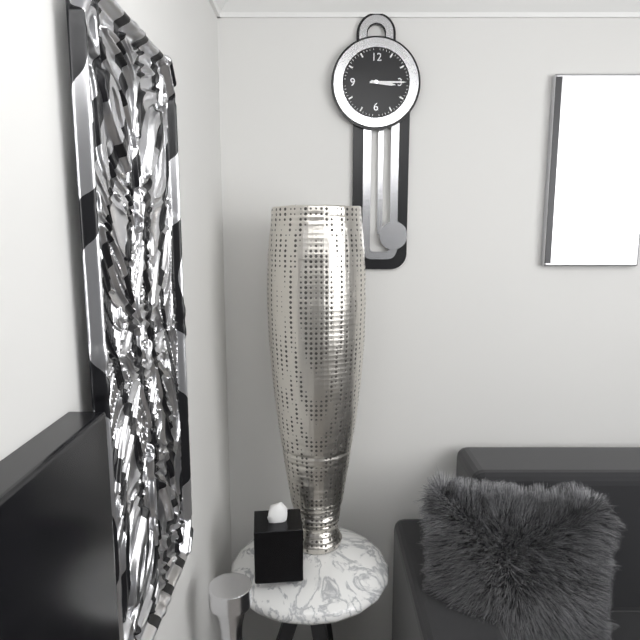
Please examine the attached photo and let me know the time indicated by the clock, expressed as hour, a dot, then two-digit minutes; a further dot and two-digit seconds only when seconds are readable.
3.15
